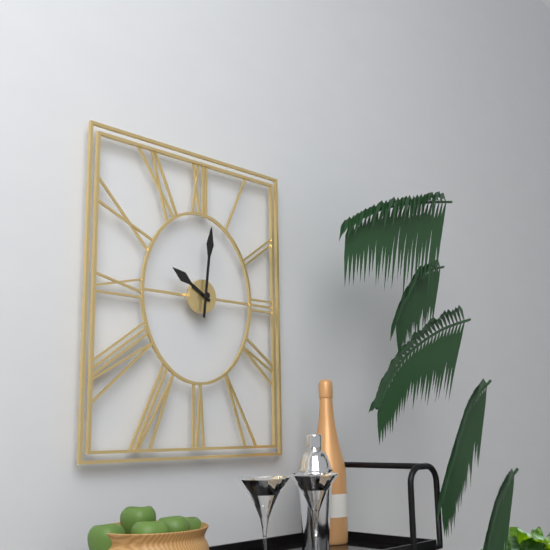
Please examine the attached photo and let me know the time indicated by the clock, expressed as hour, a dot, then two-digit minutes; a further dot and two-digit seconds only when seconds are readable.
10.01
